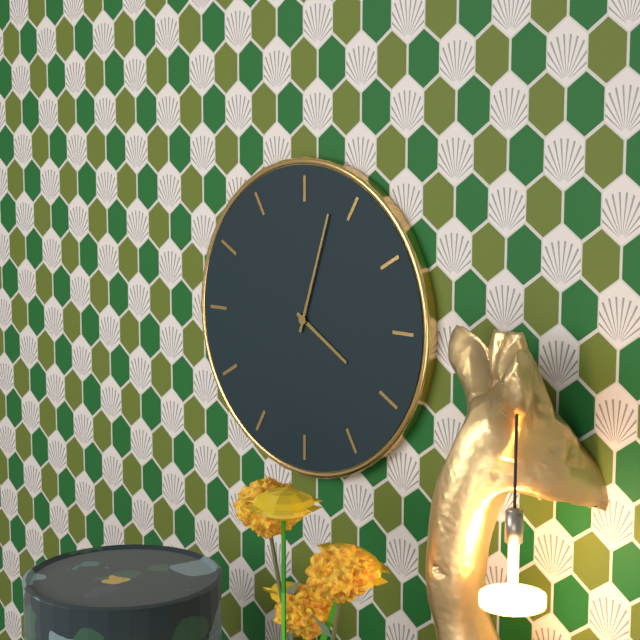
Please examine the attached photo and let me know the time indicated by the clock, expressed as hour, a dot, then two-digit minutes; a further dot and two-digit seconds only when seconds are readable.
4.03
